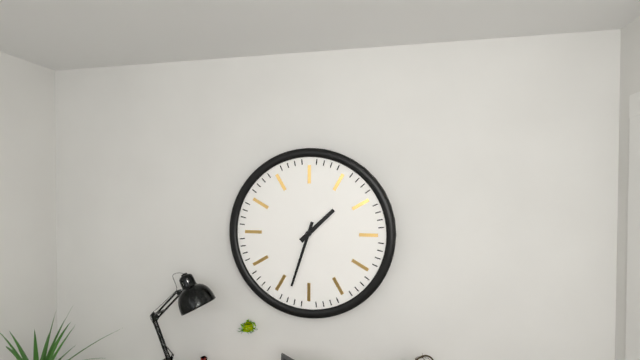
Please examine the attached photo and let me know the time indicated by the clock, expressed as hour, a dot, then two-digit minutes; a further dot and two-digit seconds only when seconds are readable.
1.33
